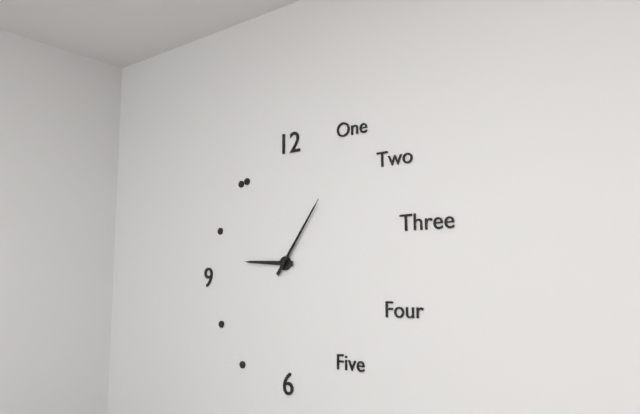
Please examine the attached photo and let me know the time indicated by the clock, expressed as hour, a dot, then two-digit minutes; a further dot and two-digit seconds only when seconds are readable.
9.06
